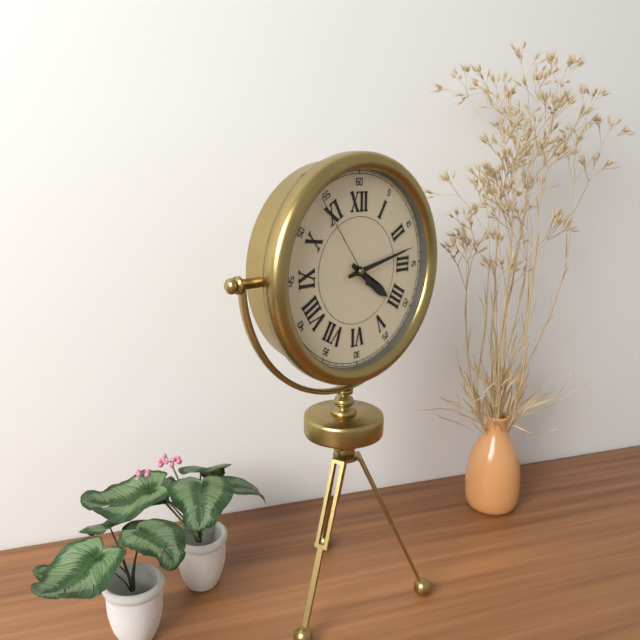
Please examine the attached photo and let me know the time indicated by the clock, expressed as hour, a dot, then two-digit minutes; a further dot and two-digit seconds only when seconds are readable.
4.13.54
